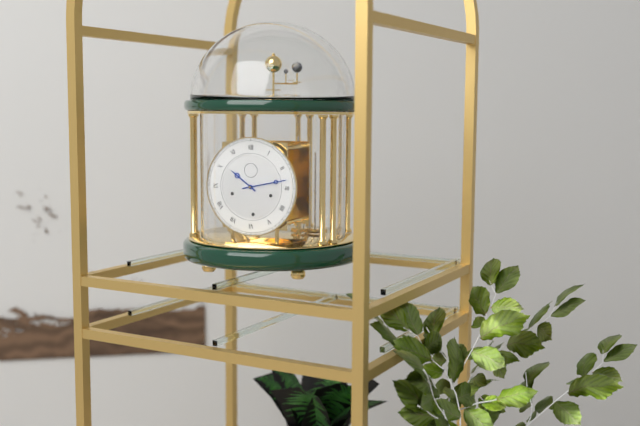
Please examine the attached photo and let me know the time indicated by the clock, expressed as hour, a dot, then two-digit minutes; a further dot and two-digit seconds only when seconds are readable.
10.13
